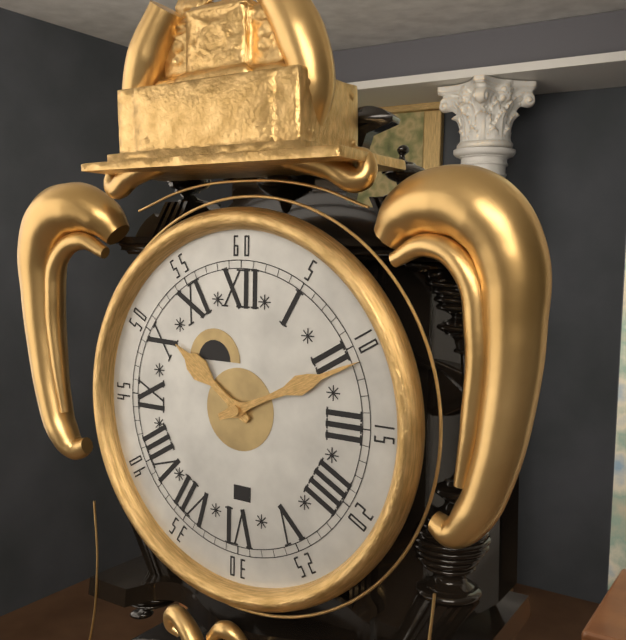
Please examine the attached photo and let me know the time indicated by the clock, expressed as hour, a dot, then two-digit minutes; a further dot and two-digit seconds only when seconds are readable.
10.11
